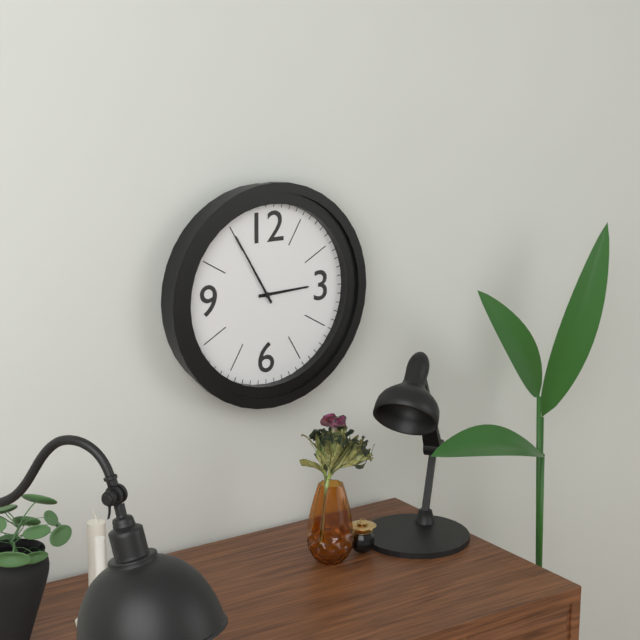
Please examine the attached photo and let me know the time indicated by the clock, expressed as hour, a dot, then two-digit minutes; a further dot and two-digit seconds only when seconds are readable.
2.55
